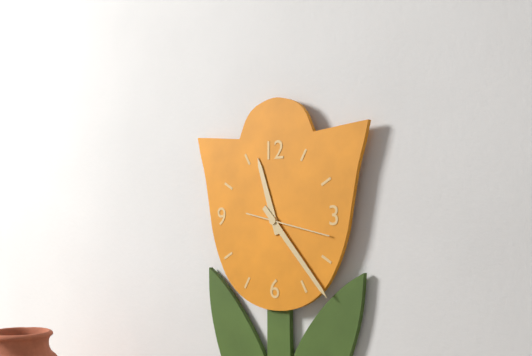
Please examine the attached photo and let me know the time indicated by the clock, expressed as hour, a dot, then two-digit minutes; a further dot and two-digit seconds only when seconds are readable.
11.23.17
